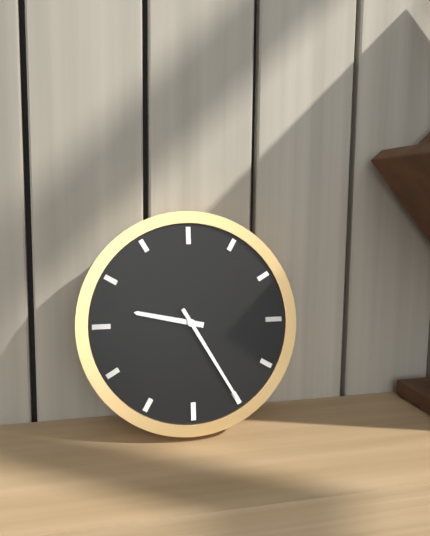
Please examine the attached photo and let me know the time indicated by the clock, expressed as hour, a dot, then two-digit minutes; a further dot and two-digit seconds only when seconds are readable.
9.25
